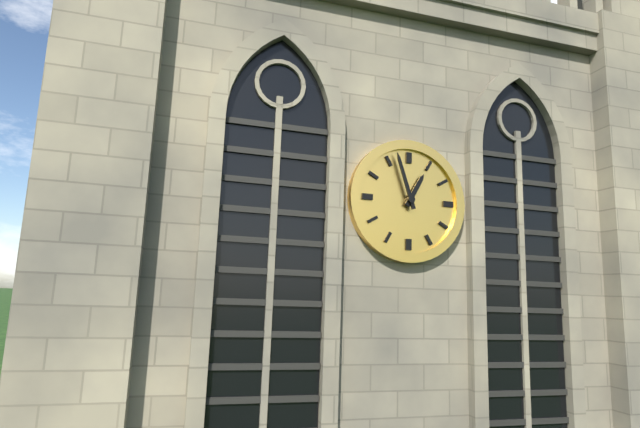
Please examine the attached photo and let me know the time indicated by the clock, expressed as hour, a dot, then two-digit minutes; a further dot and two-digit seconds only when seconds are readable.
12.57
